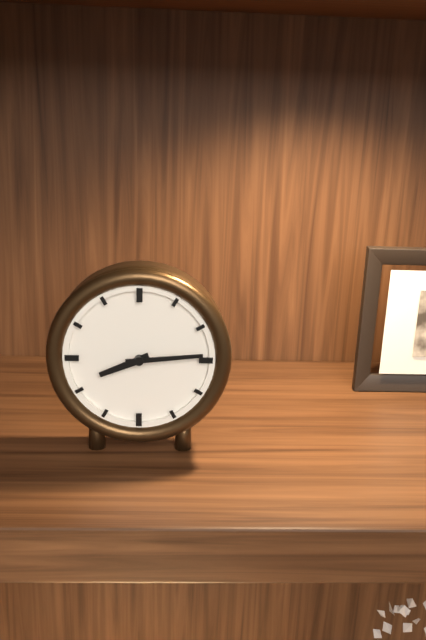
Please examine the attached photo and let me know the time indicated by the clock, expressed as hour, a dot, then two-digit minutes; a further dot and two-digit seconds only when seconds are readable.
8.14
